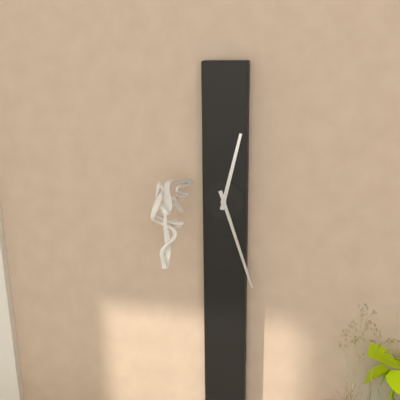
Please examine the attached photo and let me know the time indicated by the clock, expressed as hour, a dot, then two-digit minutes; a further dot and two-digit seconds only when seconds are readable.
12.27
